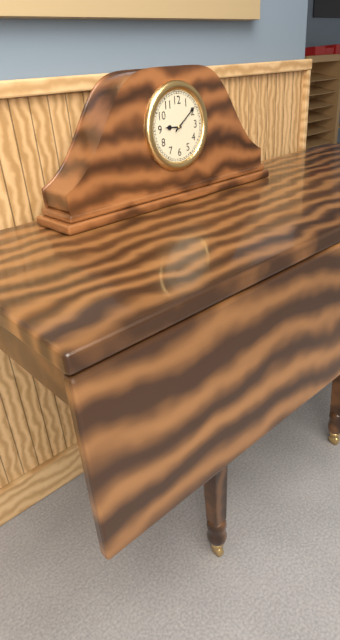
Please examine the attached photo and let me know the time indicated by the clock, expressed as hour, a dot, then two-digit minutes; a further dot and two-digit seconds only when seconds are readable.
9.09
